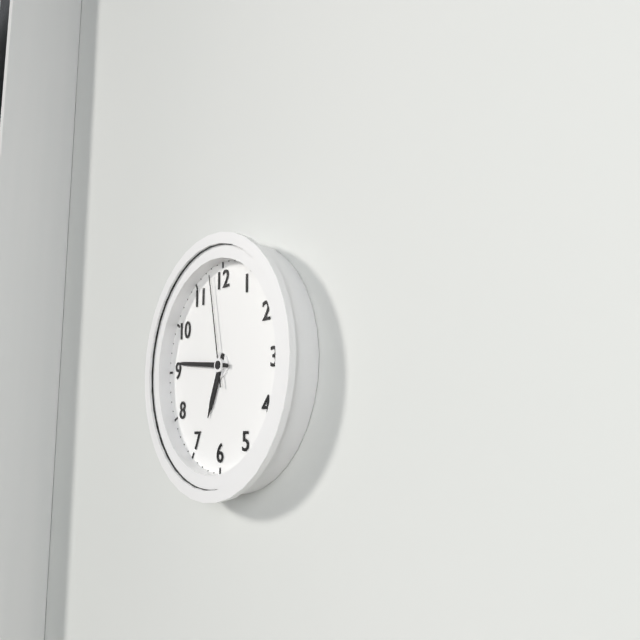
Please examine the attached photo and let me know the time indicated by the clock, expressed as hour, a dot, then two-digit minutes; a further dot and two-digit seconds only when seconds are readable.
6.46.58
